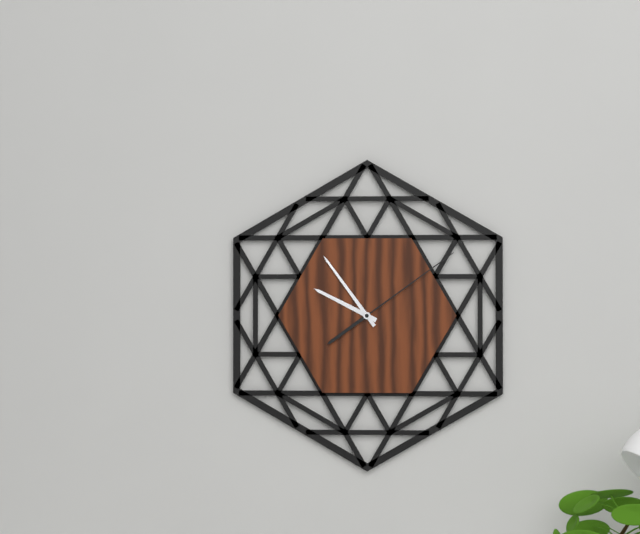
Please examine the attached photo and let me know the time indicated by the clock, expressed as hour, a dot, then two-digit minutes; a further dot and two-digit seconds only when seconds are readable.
9.54.09
